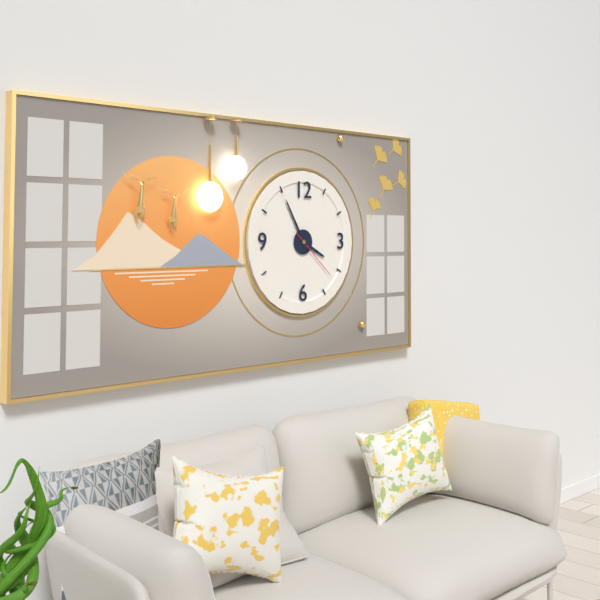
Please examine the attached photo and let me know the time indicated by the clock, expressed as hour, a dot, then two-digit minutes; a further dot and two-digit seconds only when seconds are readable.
3.55.22
